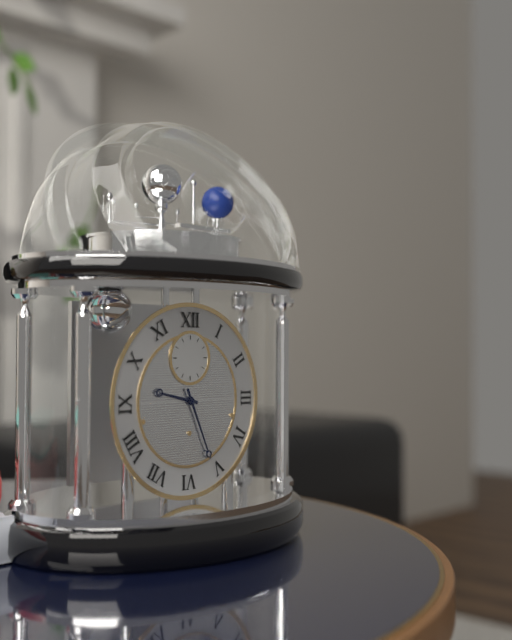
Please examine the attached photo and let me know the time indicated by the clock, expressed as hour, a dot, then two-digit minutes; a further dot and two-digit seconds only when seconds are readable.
9.26
